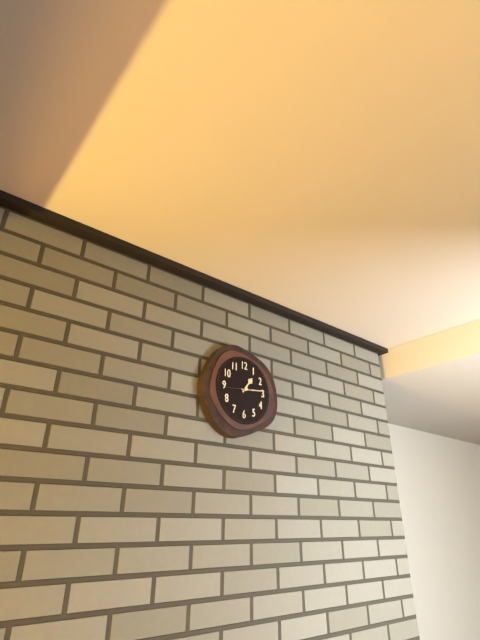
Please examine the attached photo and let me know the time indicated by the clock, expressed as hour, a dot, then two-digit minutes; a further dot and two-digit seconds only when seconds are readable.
1.14
